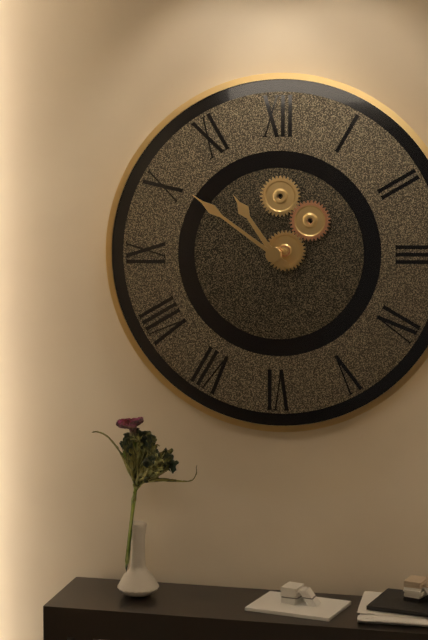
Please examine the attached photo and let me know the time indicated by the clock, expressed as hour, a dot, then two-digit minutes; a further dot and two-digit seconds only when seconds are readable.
10.51
